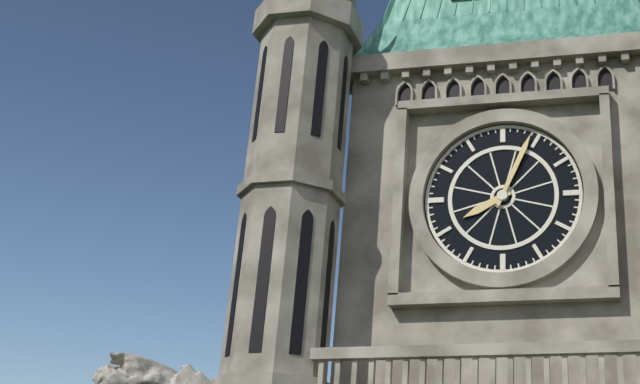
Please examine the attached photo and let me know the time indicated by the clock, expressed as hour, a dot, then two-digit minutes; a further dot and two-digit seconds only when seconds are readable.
8.04
